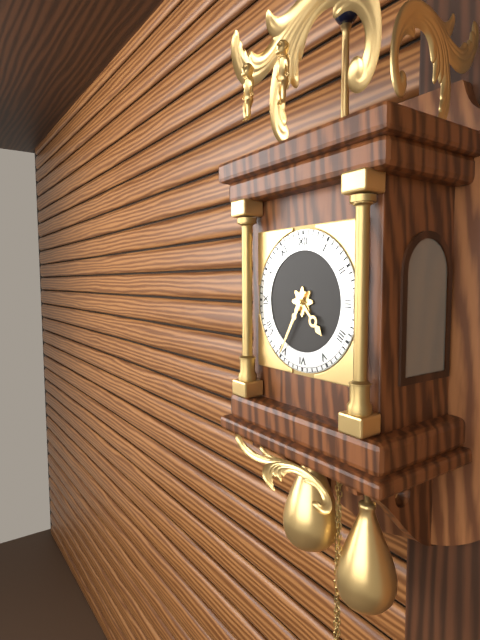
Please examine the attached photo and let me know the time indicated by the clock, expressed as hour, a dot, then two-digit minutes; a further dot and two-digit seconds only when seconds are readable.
4.35
